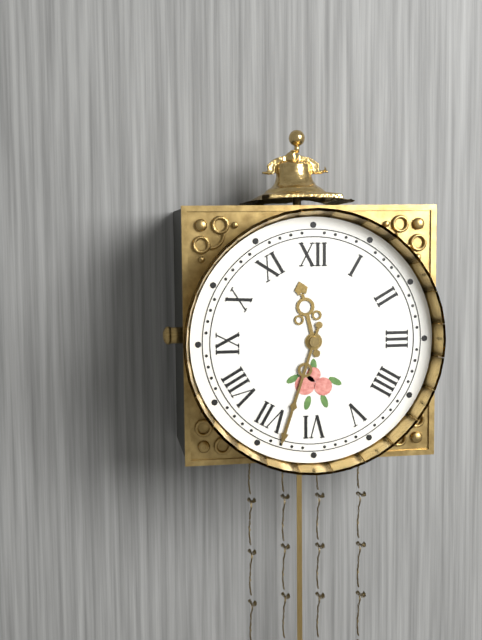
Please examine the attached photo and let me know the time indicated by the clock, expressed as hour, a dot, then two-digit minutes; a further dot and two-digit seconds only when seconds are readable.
11.33
